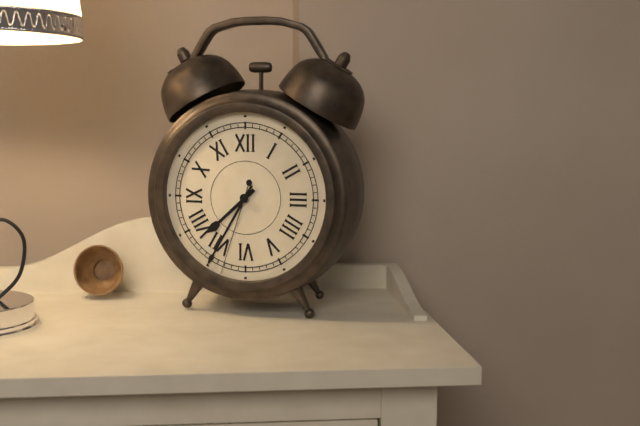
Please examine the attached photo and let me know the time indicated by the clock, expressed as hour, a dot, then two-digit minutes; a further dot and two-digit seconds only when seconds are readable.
7.35.33
